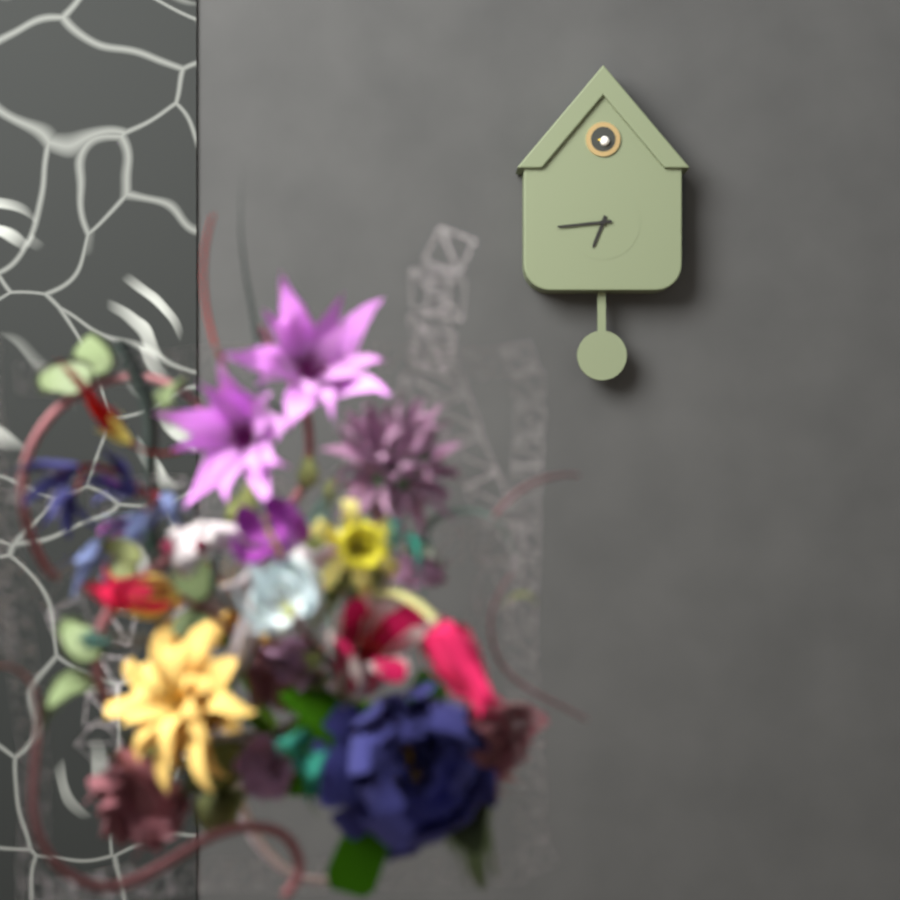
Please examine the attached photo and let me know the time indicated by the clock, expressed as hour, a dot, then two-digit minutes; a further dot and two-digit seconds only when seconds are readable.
6.44
